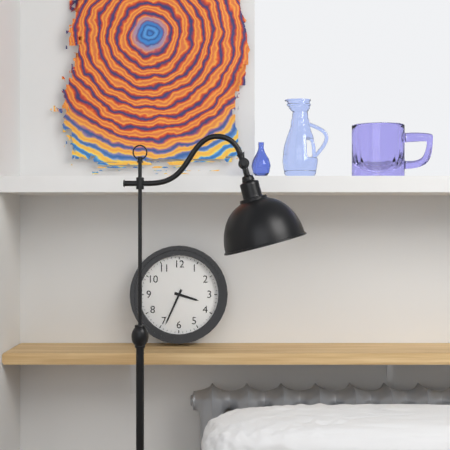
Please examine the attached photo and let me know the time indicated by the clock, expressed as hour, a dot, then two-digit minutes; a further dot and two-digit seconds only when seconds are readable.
3.34
